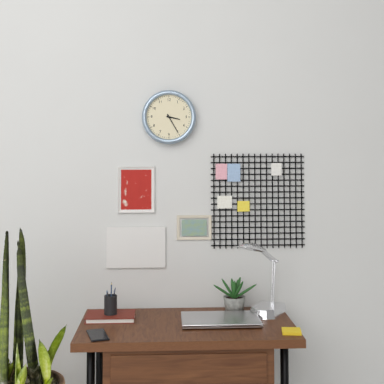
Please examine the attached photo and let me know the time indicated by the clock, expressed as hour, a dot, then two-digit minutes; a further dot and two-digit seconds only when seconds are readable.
3.25
